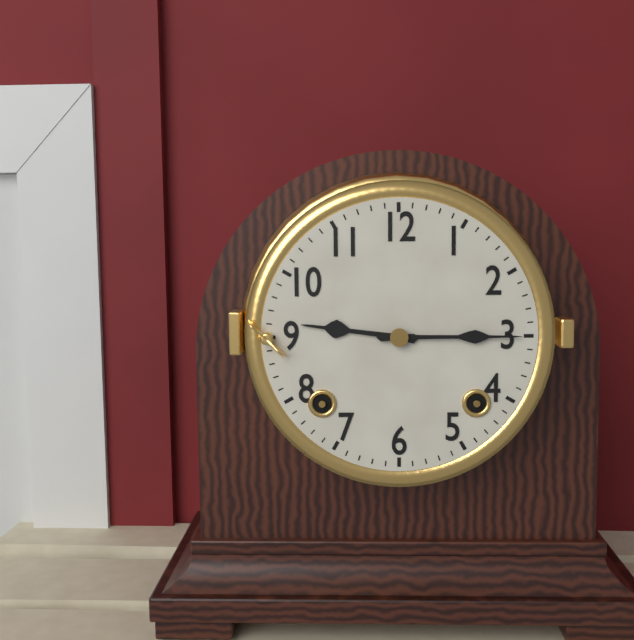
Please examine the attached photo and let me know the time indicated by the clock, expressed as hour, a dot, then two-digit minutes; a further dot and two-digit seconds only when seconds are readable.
9.15
